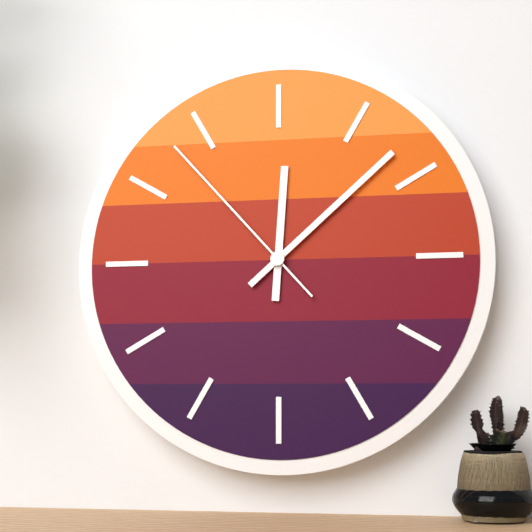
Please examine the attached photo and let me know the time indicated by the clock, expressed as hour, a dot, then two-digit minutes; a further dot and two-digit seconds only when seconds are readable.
12.08.53
